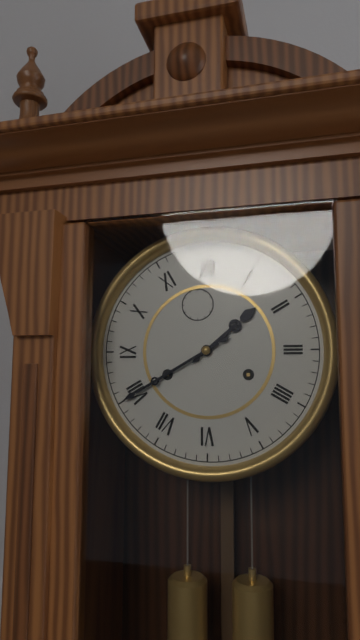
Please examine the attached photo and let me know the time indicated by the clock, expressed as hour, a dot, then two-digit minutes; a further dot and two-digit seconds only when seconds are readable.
1.40
